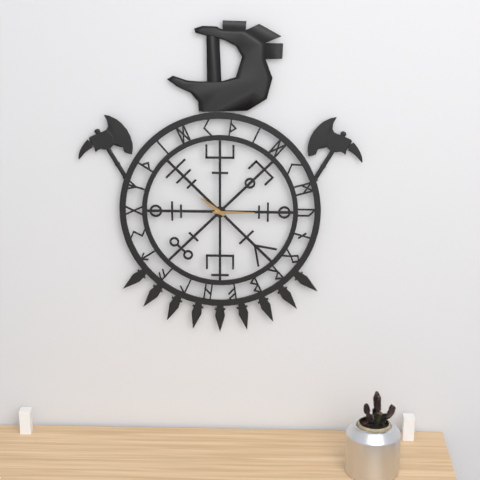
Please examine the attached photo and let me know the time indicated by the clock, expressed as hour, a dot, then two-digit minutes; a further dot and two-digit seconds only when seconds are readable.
10.15
